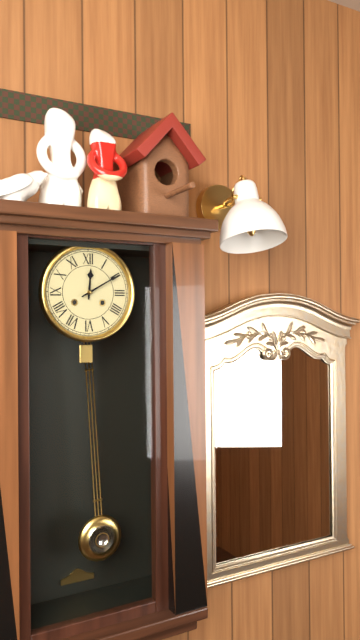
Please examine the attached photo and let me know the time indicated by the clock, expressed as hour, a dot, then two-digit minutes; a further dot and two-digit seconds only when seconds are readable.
12.10
